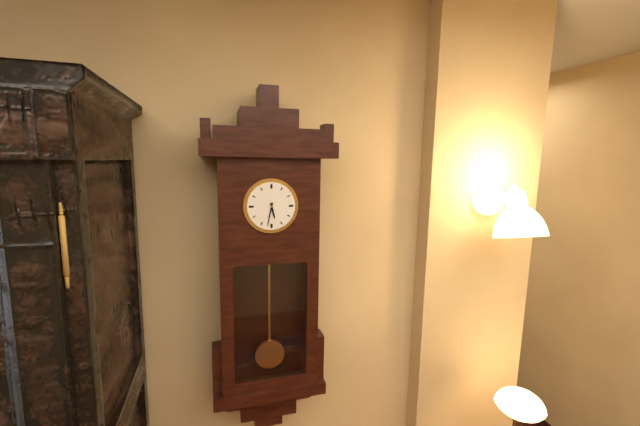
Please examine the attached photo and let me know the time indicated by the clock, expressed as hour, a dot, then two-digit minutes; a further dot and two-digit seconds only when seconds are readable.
5.32
